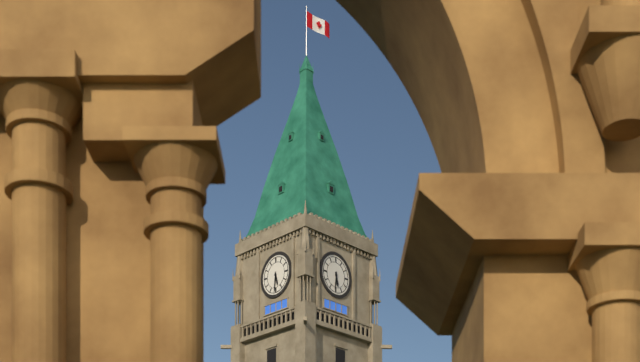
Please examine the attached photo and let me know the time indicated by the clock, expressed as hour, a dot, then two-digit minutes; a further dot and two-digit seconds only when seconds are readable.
5.31
